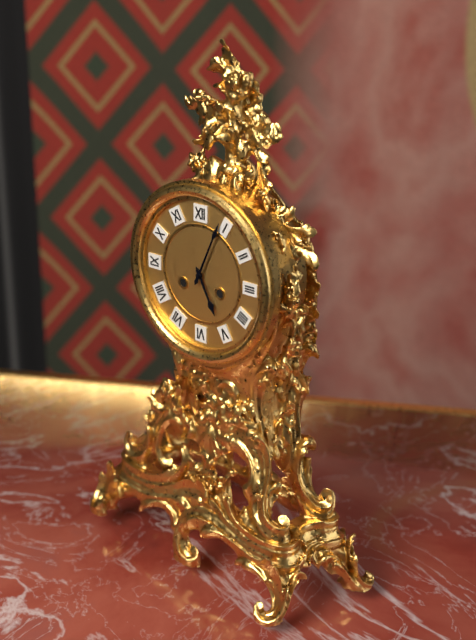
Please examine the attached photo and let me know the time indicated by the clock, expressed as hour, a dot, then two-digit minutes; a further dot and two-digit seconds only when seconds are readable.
5.04
